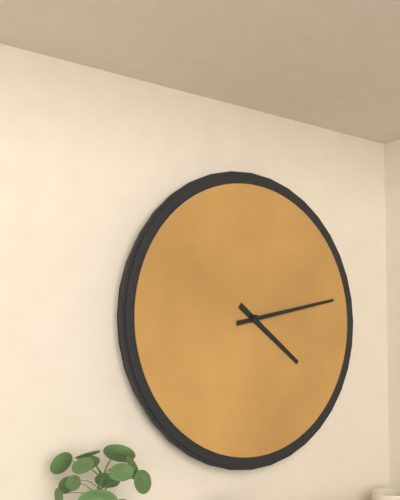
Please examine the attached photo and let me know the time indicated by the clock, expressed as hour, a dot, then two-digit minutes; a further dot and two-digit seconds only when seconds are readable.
4.13
